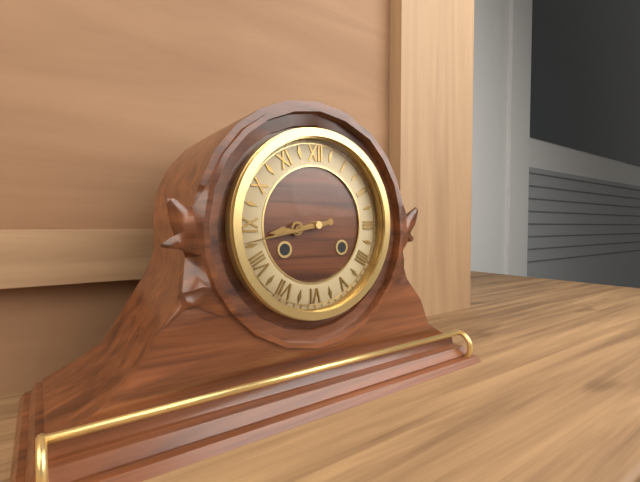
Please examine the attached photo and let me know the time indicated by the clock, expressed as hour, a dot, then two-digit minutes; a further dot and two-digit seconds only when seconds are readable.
8.43
